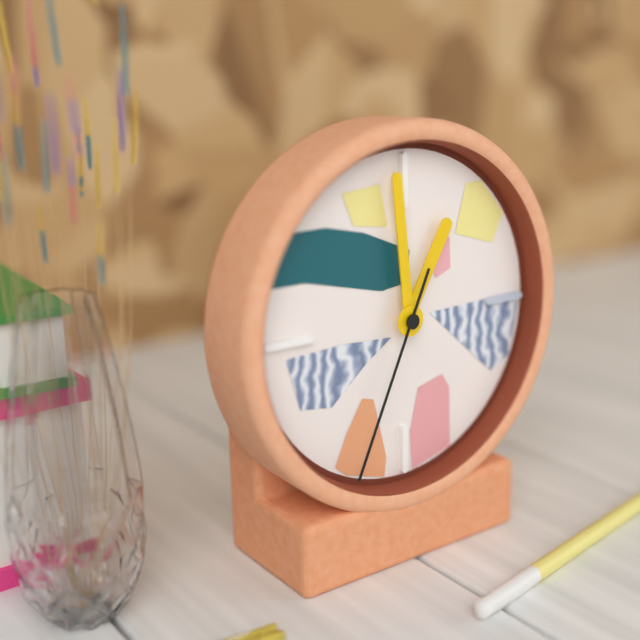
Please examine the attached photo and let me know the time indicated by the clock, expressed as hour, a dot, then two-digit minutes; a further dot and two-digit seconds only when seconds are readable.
12.59.34
